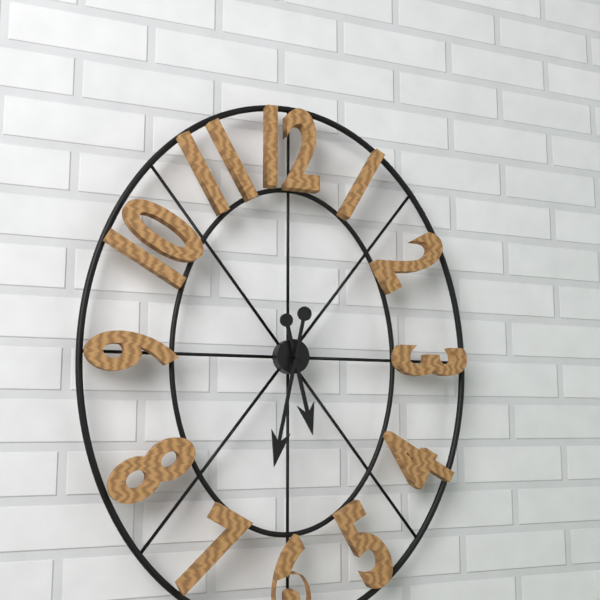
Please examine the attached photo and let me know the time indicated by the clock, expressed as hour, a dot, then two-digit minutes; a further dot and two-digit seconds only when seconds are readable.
5.32
